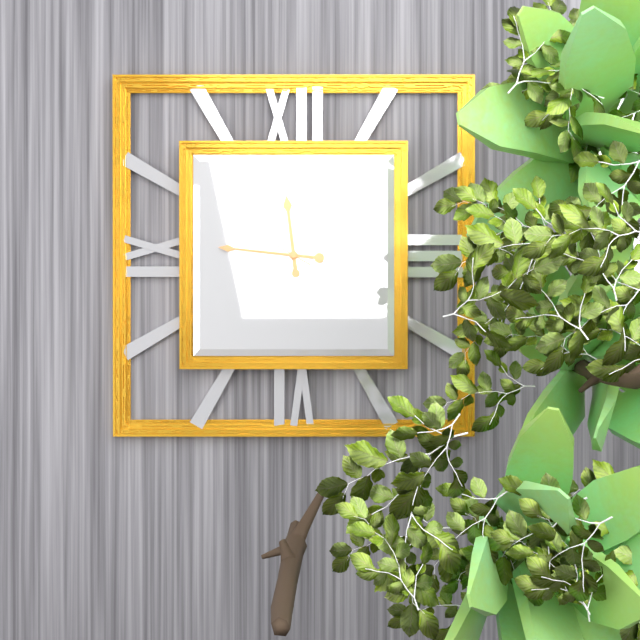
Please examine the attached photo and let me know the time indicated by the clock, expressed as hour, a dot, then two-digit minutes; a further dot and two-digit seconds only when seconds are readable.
11.46.50
